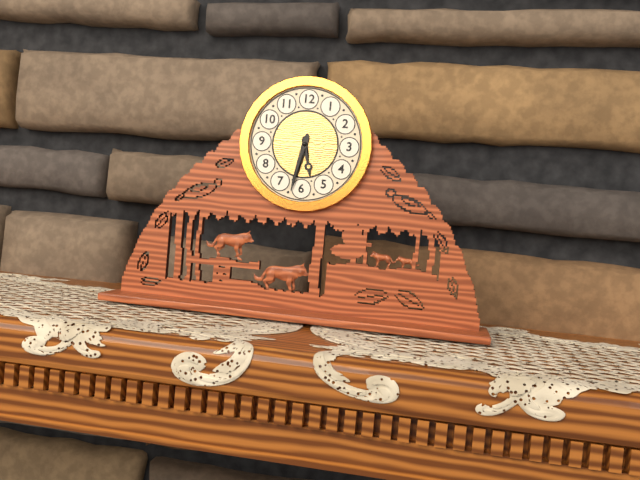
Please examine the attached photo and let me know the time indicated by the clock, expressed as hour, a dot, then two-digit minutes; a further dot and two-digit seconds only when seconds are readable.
5.32
